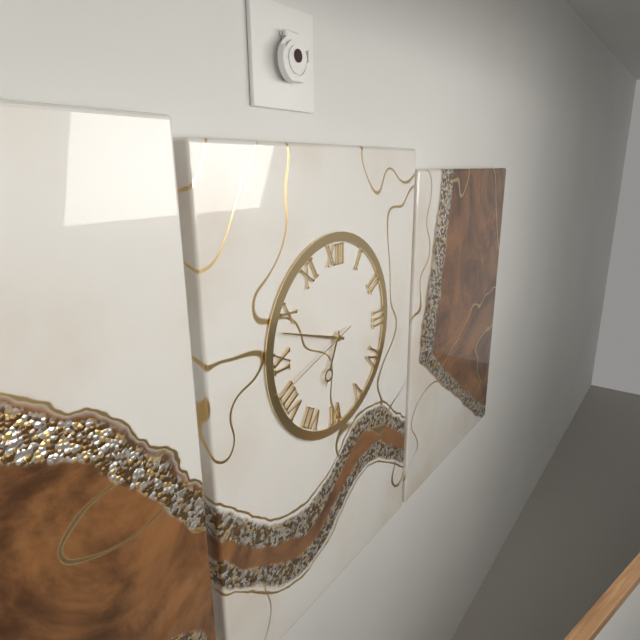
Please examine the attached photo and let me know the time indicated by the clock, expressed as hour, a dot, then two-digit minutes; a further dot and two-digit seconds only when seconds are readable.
6.48.42
